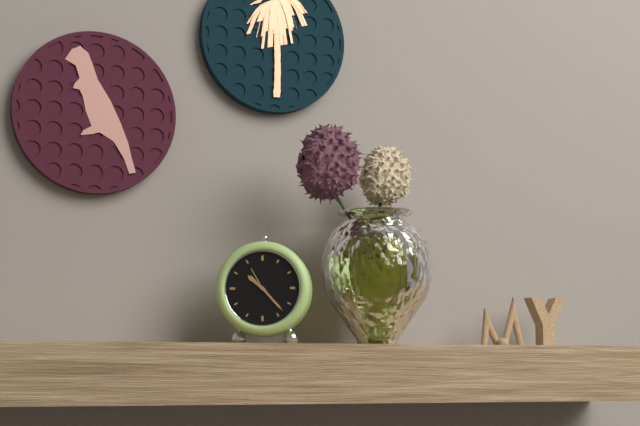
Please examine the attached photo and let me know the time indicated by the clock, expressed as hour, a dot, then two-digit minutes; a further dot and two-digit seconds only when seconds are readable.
10.23
